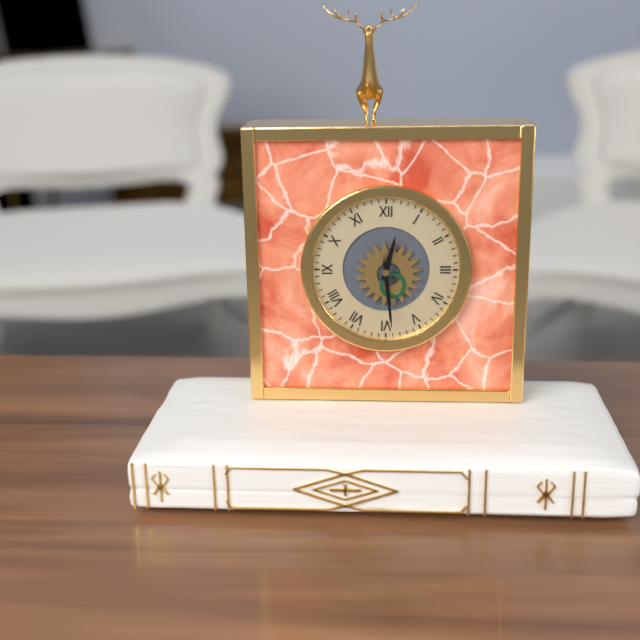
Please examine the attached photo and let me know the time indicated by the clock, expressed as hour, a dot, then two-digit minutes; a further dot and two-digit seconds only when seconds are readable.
12.29
